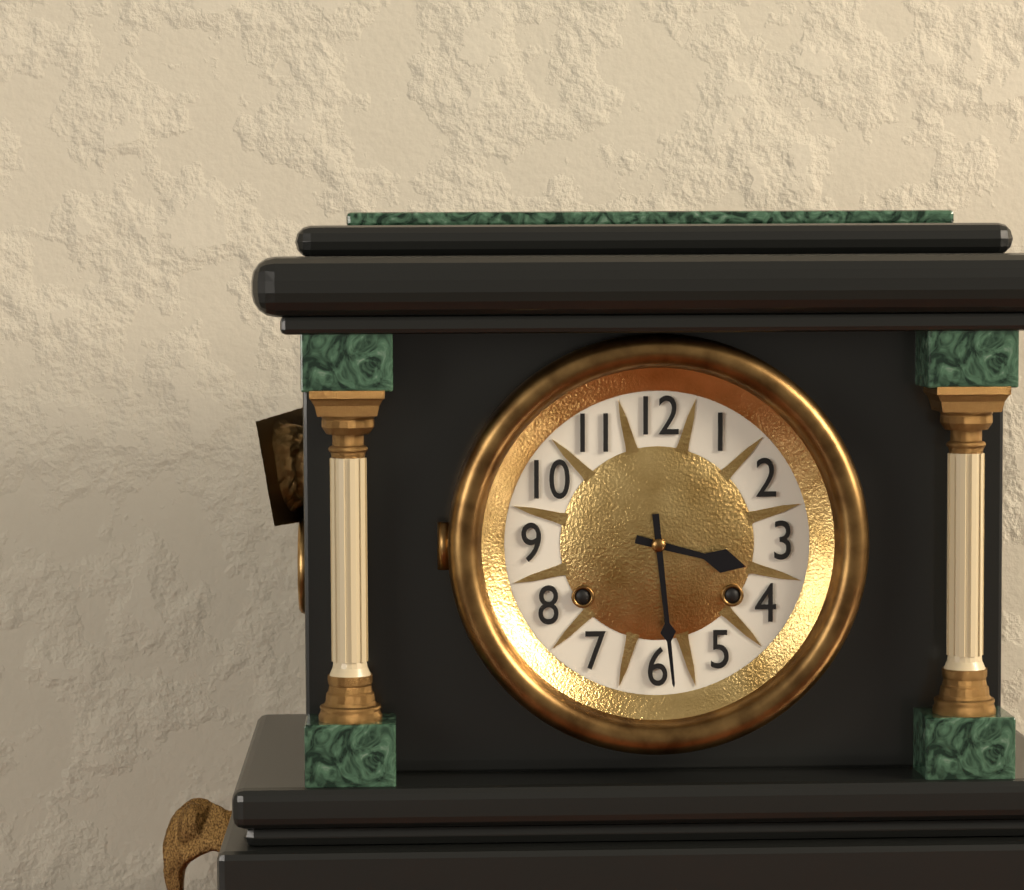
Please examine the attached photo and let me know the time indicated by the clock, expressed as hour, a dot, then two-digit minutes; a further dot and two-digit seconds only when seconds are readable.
3.29
